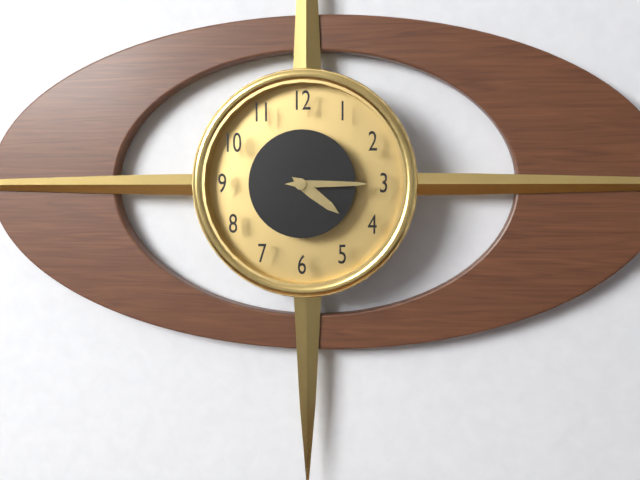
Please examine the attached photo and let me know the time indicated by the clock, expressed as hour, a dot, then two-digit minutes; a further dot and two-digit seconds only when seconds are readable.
4.15
